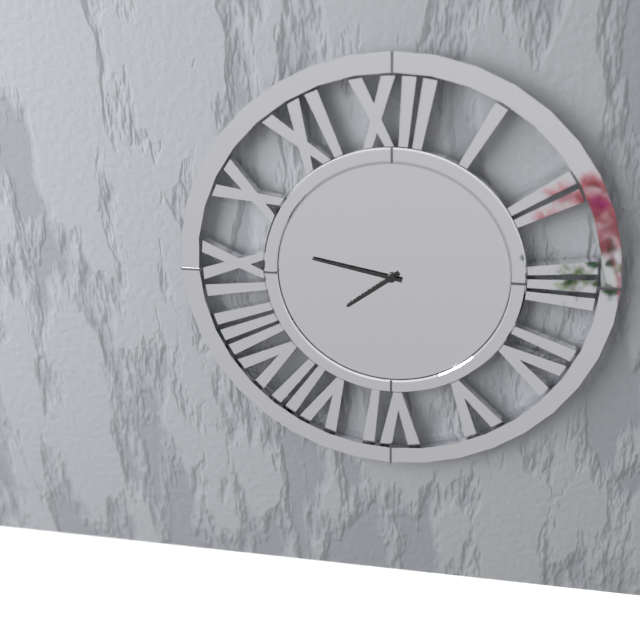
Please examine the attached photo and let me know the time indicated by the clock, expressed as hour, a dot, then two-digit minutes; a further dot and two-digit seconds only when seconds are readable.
7.47
